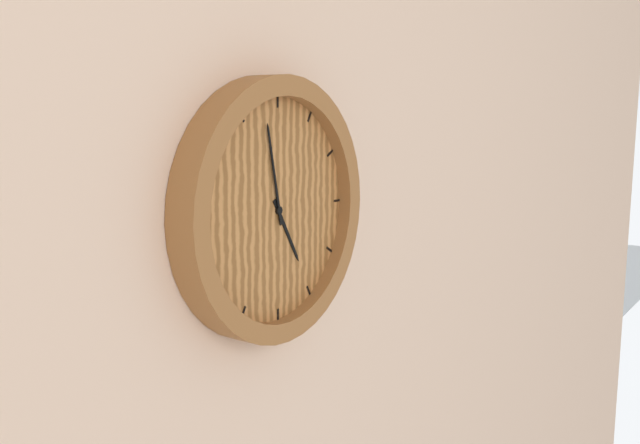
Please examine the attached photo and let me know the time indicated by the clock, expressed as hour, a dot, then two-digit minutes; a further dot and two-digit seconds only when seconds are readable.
4.58
